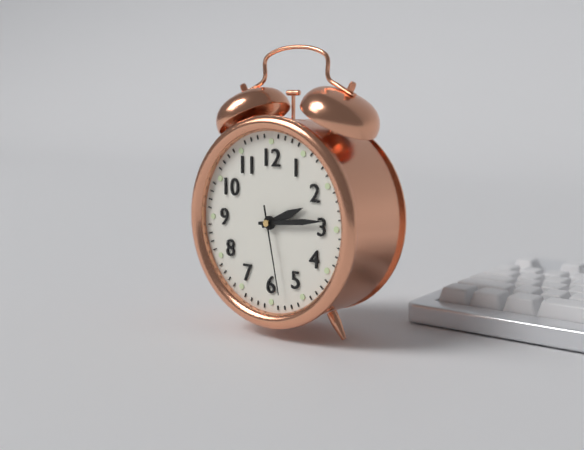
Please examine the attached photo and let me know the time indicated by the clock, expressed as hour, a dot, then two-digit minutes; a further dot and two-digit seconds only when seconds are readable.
2.14.28
